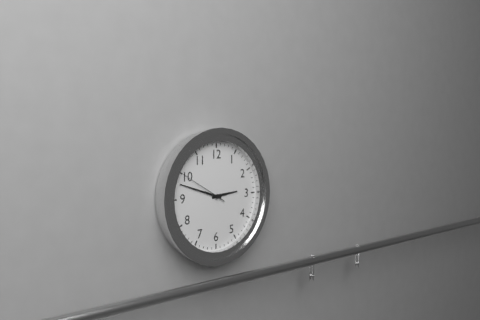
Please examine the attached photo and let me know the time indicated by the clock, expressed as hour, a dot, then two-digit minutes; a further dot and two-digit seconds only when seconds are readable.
2.48.50
